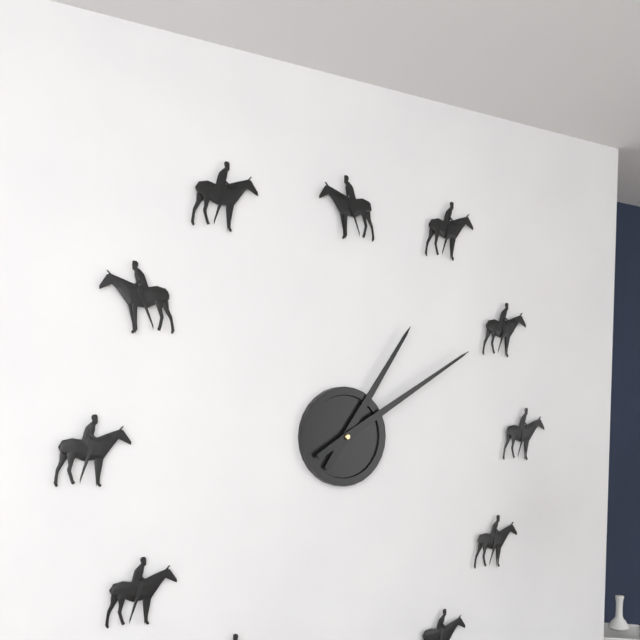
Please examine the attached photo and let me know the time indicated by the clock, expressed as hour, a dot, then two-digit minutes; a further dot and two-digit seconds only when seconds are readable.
1.10
